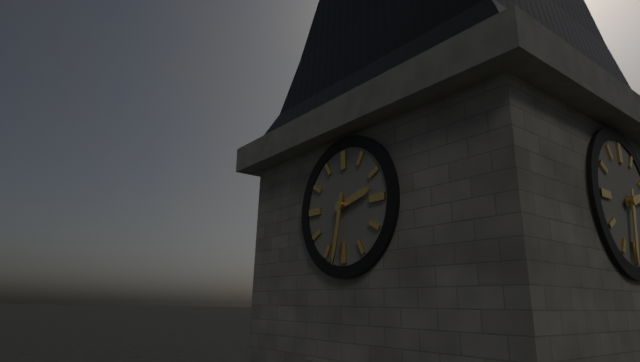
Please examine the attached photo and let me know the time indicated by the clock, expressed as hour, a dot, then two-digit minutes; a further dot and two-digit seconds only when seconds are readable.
2.32
